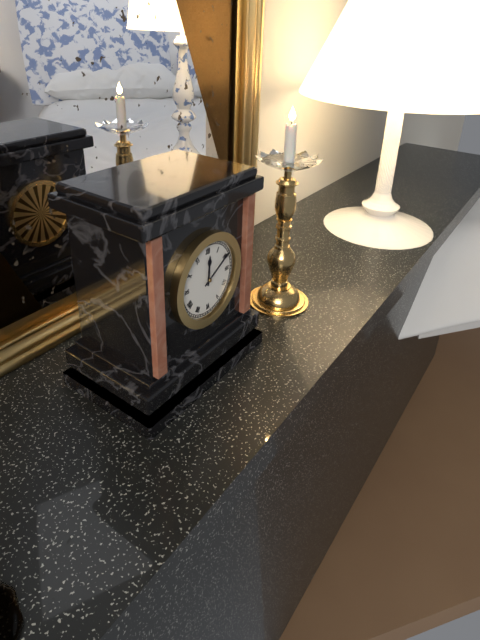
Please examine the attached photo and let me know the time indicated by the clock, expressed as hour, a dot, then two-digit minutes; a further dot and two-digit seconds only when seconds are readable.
12.10
